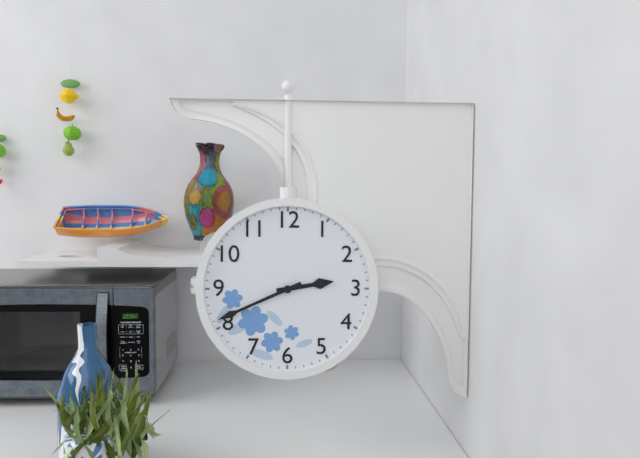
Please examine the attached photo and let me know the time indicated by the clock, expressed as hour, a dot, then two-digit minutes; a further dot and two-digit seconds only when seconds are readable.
2.41
